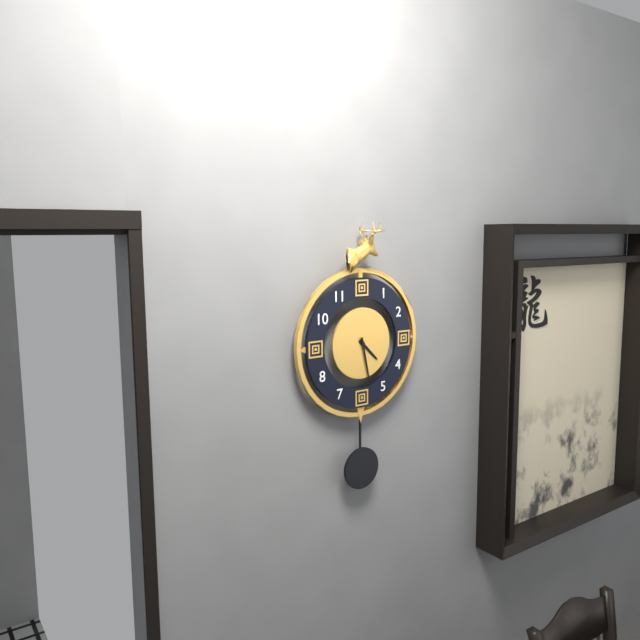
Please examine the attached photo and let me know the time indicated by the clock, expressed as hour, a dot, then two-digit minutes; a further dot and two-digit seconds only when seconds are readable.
4.28
